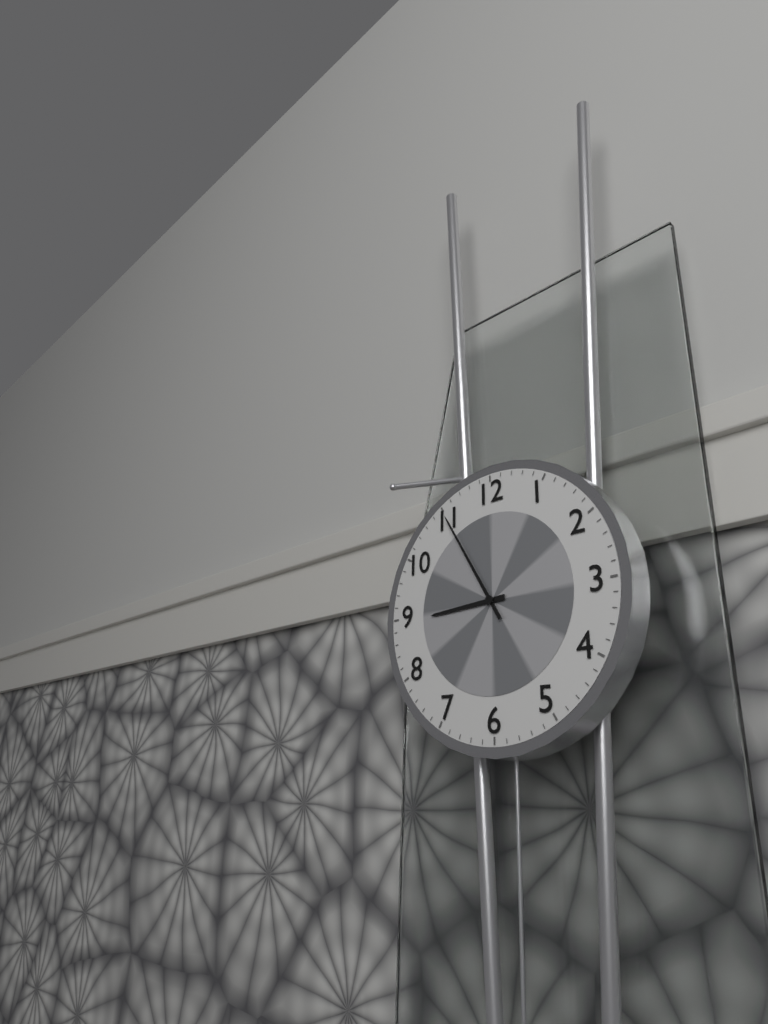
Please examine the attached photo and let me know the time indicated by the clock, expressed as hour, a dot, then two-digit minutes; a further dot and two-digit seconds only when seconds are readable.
8.55
